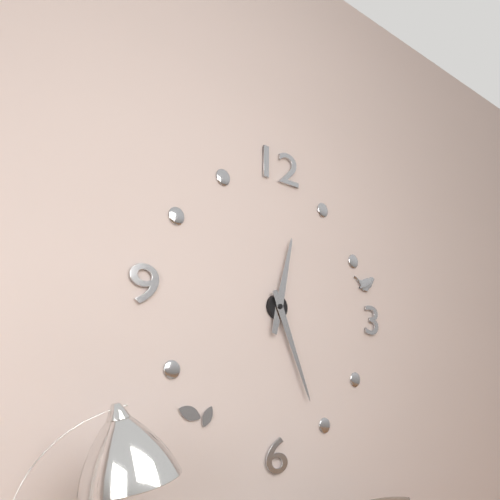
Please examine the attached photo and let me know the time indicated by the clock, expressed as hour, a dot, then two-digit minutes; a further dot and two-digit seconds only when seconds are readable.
12.26
